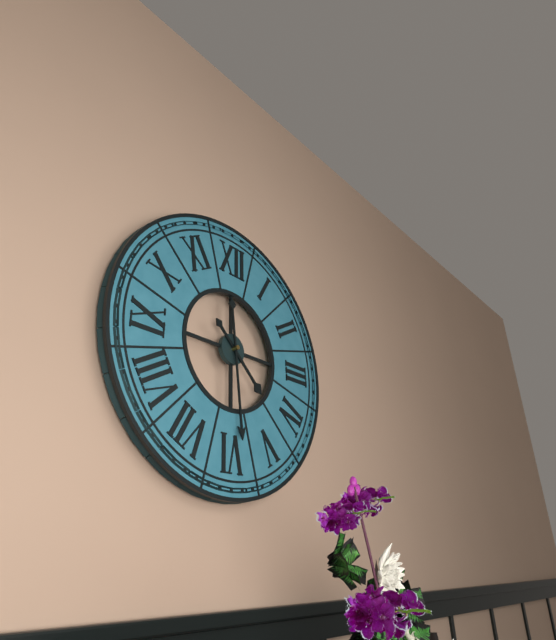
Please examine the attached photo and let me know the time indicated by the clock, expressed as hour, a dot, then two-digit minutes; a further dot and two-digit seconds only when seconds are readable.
4.29
